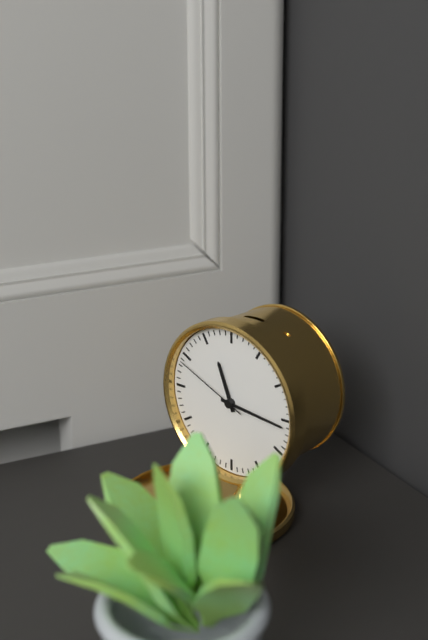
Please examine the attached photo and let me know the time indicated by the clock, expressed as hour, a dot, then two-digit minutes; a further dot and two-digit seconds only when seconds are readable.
11.16.49
